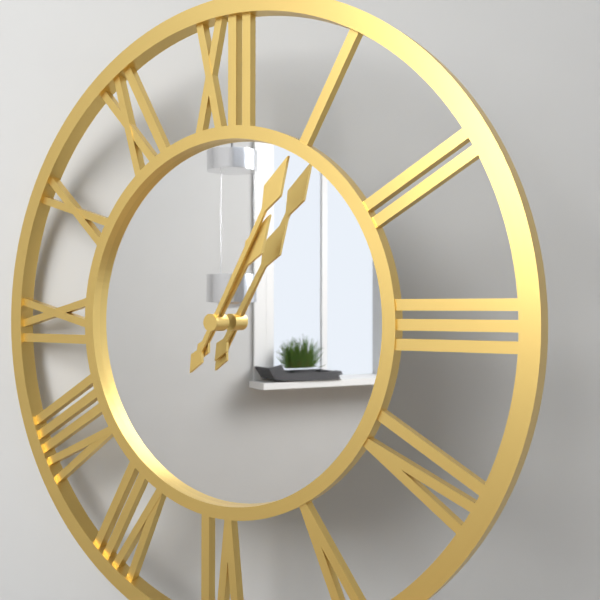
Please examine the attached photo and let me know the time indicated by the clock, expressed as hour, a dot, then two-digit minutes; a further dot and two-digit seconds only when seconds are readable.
1.05
